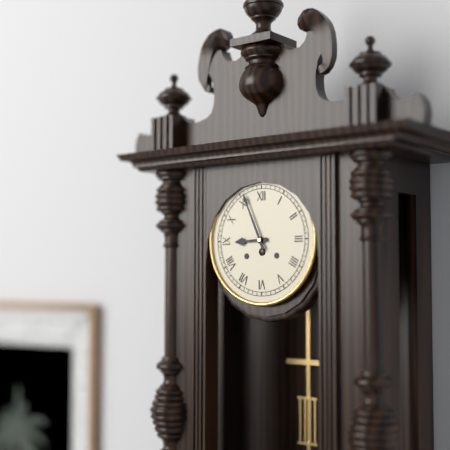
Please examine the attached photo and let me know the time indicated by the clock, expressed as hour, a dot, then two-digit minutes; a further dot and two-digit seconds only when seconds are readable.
8.56
